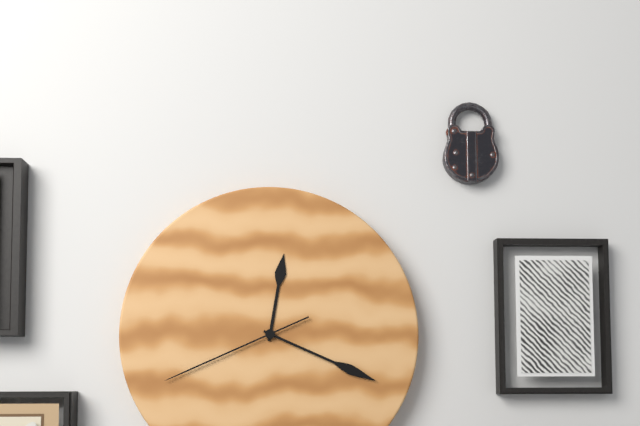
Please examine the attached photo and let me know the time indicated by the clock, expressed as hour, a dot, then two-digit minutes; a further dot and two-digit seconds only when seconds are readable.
12.19.41
